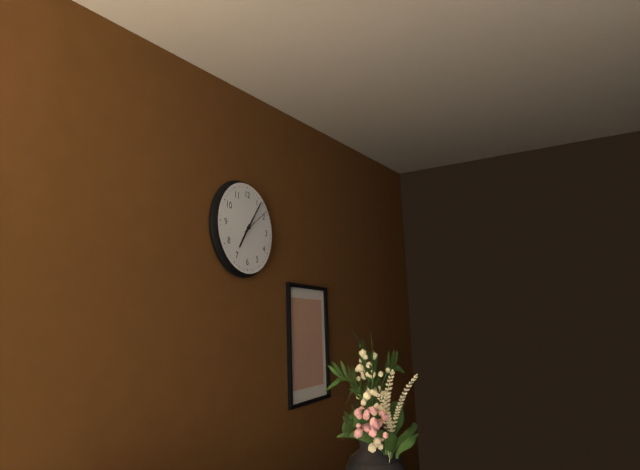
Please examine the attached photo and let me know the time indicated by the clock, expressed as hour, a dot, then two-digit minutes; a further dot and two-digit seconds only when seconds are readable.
7.06
